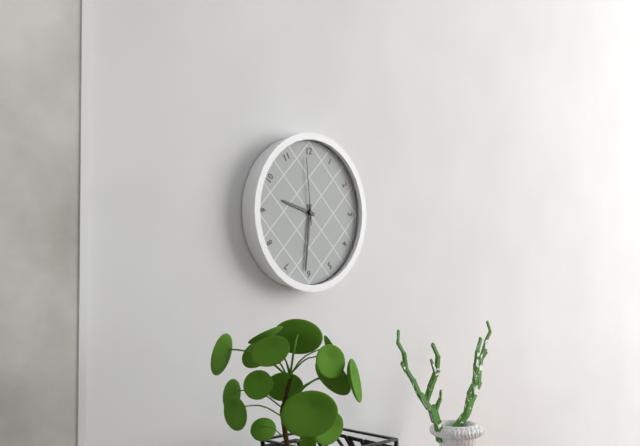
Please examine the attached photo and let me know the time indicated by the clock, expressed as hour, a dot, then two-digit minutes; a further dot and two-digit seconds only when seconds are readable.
9.31.59
